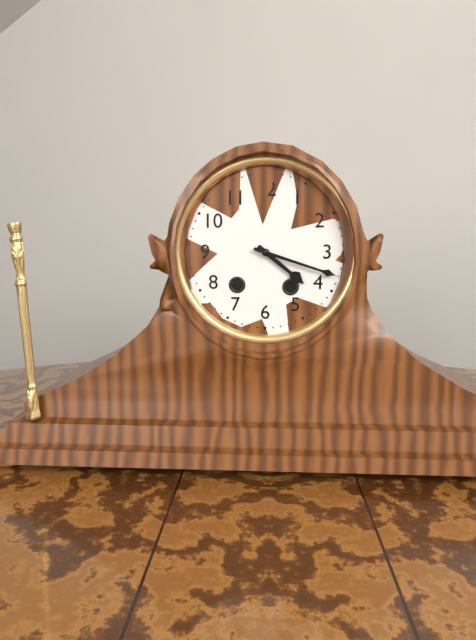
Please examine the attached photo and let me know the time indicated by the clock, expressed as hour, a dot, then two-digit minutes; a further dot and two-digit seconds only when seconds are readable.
4.18
